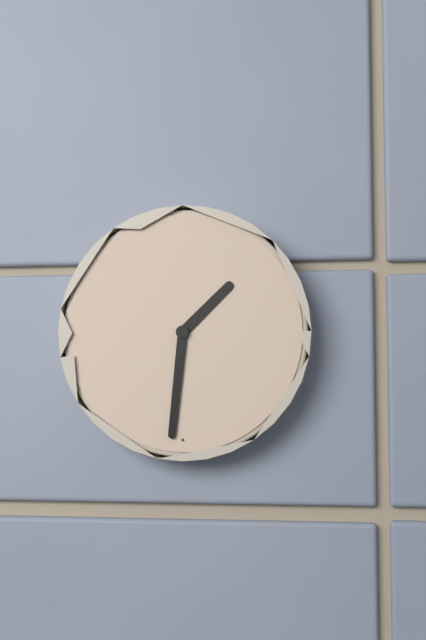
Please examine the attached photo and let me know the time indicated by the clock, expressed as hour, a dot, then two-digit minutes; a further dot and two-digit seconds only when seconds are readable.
1.31
